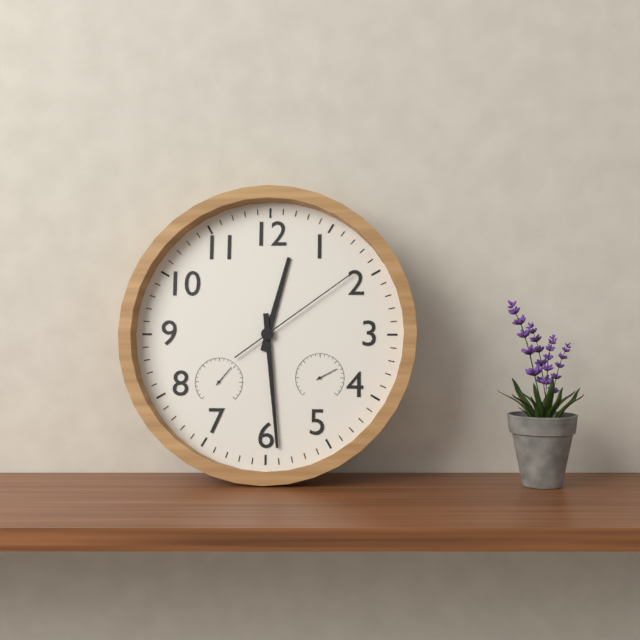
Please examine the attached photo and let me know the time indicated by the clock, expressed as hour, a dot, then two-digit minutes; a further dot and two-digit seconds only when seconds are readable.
12.29.09
